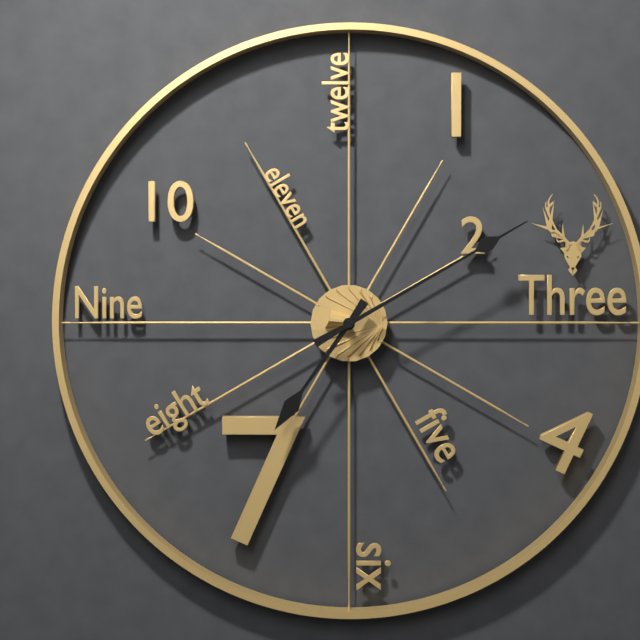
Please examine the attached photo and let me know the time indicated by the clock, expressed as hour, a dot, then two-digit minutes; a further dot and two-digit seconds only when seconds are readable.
7.10
